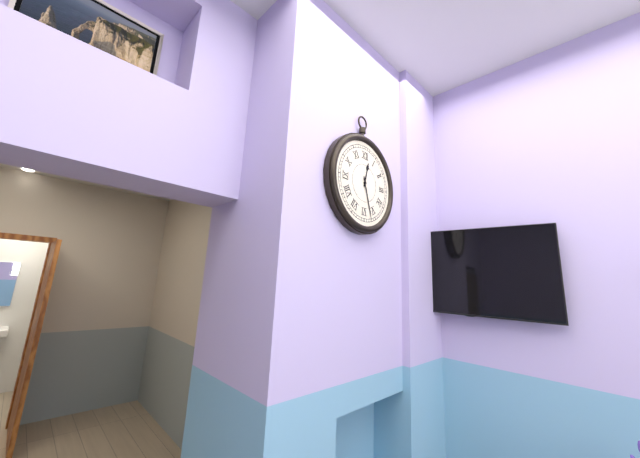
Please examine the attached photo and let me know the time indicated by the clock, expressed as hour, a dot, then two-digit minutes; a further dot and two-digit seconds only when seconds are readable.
12.27
